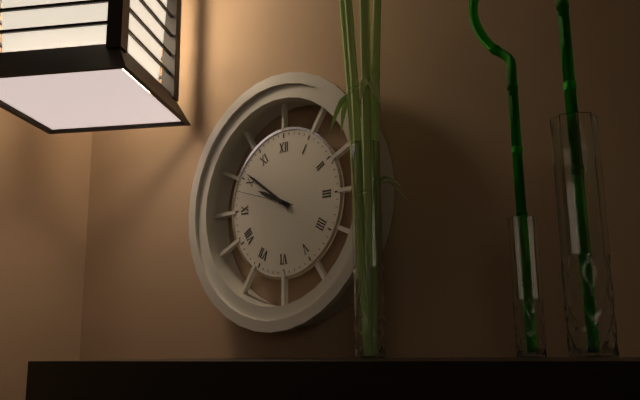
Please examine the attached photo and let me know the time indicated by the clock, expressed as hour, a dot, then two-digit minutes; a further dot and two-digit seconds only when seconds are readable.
9.51.48
